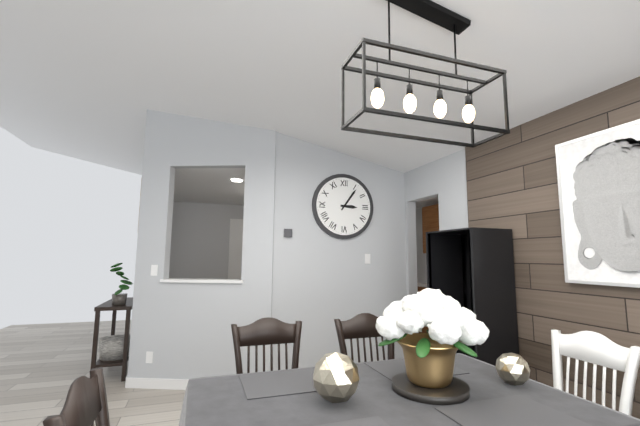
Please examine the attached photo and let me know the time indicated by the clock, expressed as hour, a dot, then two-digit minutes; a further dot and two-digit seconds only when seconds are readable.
3.06
